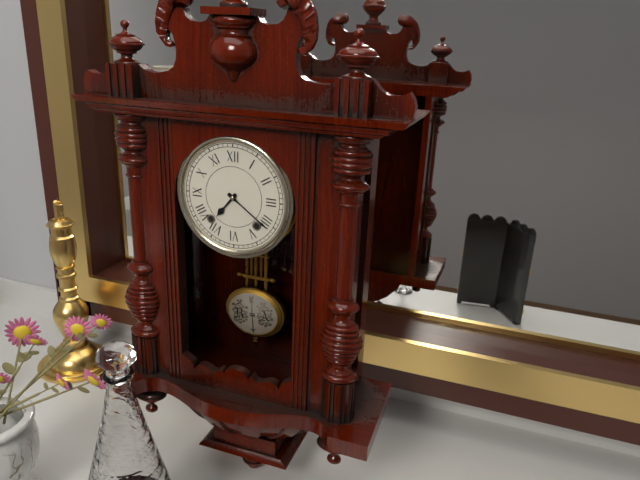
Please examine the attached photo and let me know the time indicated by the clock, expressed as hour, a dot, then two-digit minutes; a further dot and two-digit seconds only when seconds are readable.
7.21
